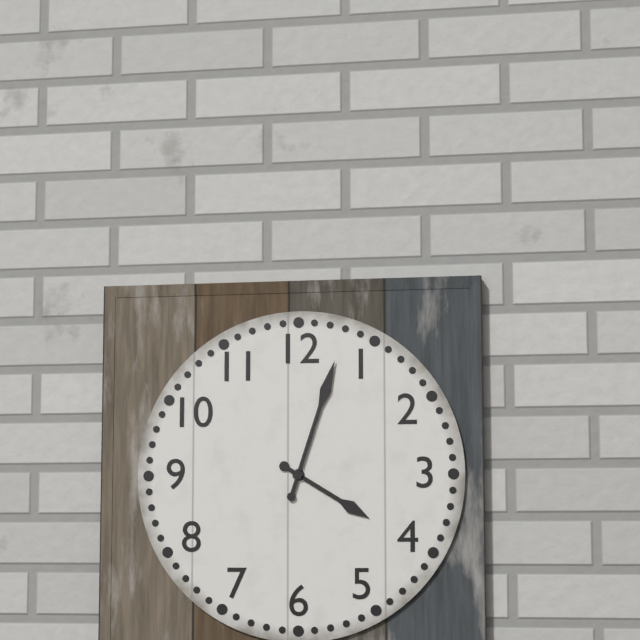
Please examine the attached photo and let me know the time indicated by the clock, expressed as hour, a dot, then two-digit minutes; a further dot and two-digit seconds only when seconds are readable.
4.03
